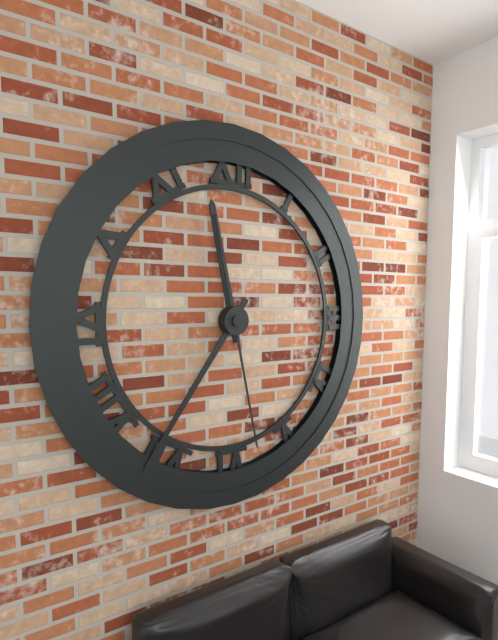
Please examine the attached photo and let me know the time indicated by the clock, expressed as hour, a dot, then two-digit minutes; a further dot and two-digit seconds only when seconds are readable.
11.36.28
